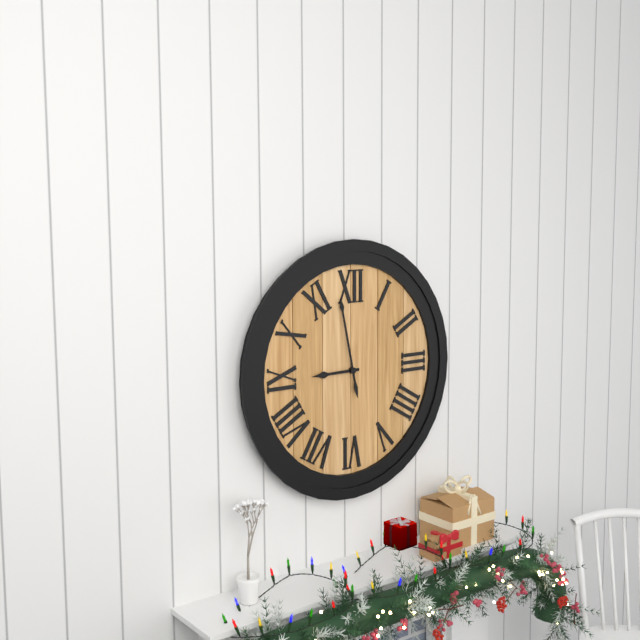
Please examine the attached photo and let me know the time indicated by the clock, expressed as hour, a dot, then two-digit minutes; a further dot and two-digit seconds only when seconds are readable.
8.58
